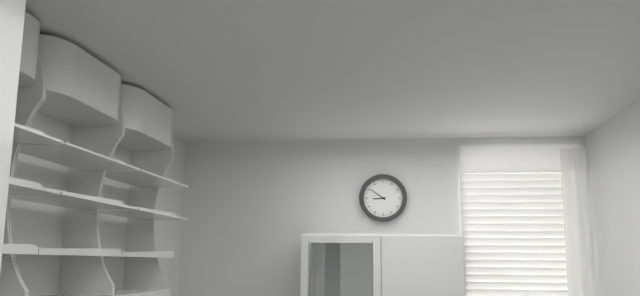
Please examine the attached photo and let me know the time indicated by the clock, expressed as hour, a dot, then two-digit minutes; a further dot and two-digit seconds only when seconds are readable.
8.51
